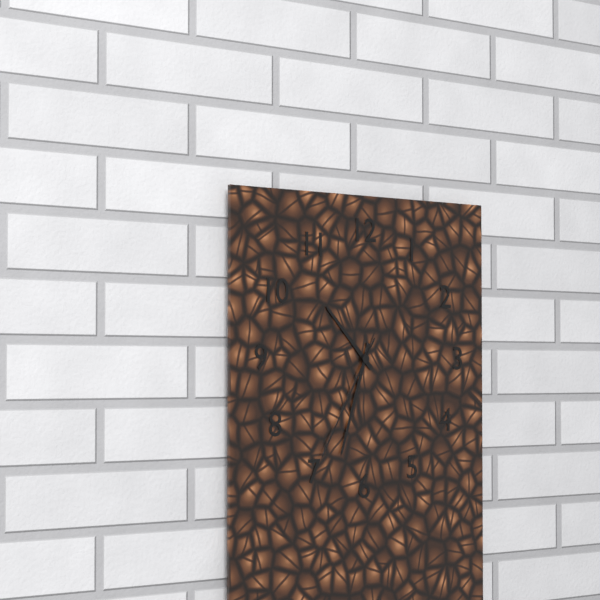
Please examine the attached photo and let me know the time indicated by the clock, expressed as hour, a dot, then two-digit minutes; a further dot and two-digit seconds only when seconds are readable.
10.33.35
